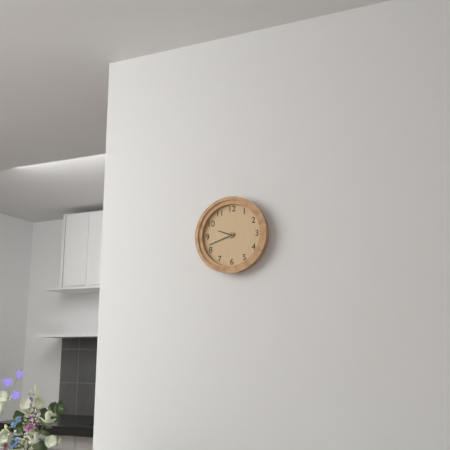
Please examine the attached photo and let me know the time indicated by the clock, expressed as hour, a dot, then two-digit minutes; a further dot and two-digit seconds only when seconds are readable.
9.42
